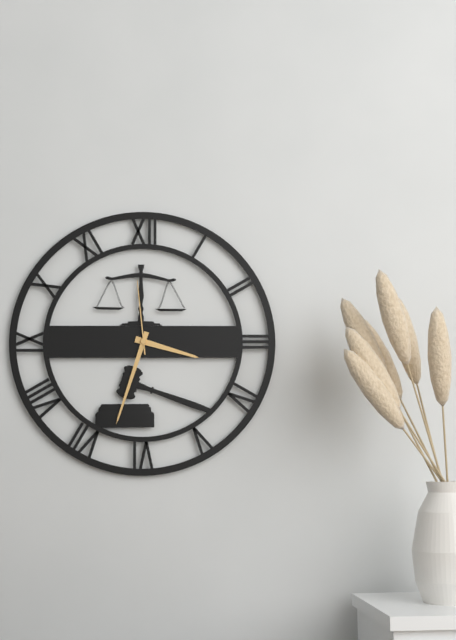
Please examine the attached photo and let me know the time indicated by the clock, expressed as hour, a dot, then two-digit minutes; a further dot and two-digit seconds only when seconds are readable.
3.33.59
